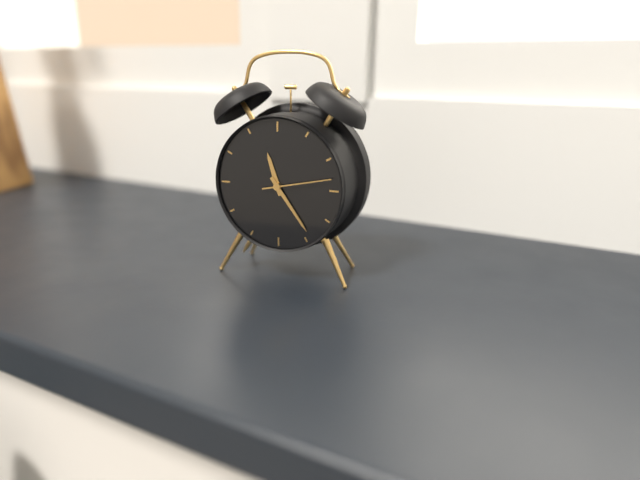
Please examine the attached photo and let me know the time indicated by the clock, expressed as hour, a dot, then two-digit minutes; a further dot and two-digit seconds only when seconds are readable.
11.24.13
